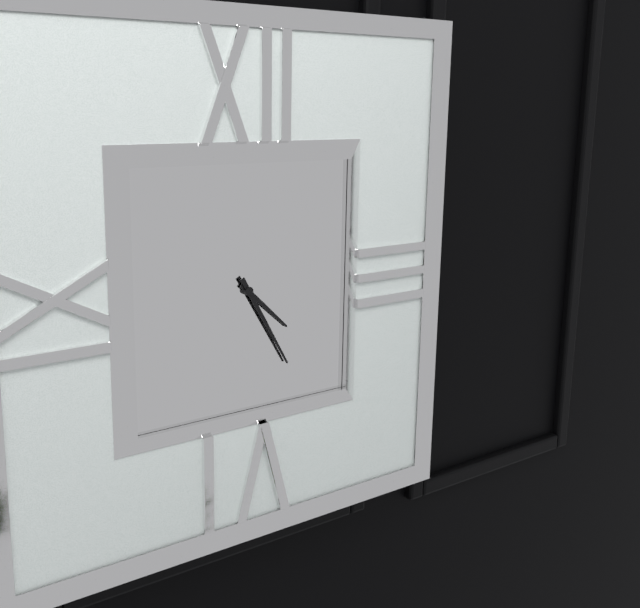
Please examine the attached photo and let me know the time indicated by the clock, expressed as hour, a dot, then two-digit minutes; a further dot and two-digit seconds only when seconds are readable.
4.25
